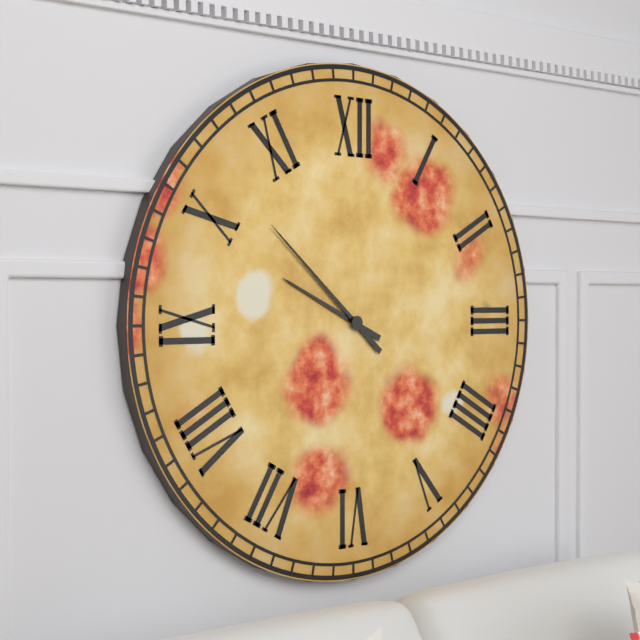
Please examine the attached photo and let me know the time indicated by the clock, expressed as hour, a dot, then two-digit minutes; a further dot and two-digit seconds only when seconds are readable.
9.52
